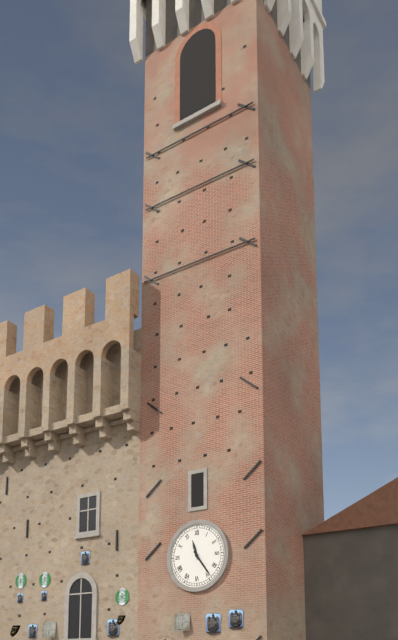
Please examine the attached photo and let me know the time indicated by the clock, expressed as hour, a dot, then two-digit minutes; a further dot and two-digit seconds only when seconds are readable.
11.24
